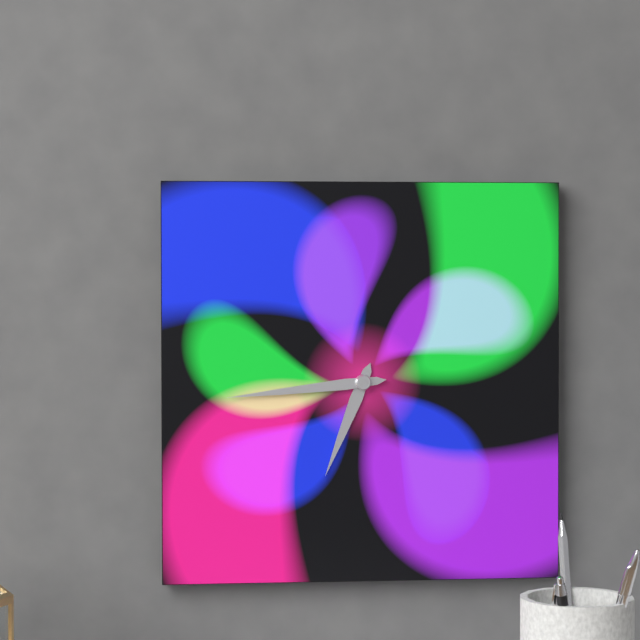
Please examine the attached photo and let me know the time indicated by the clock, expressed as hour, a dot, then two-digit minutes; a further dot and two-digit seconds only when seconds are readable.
6.44
